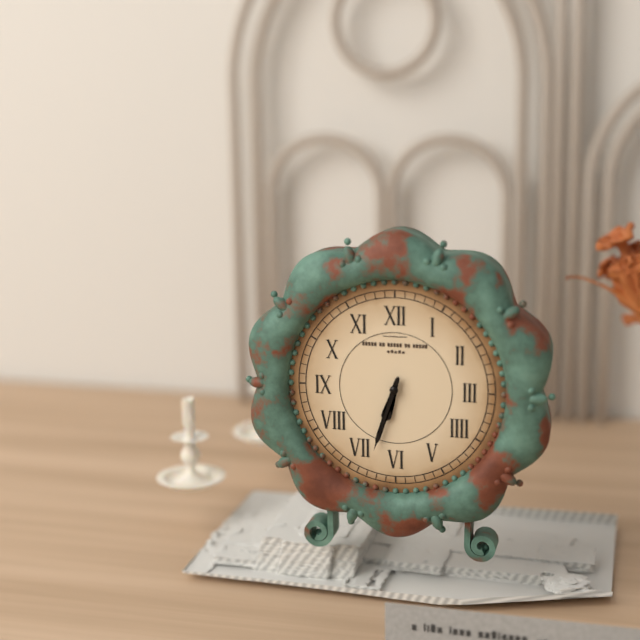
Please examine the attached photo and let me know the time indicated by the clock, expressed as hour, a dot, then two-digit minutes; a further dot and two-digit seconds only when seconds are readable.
6.33
